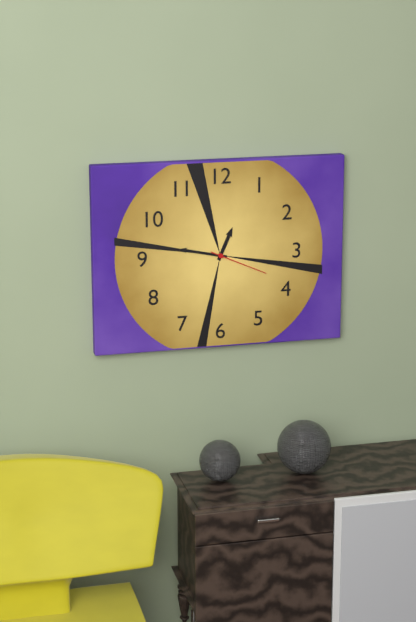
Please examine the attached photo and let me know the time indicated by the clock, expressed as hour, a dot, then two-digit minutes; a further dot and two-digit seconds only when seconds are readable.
12.47.19
